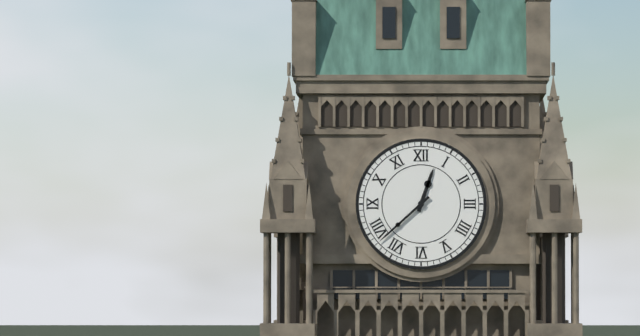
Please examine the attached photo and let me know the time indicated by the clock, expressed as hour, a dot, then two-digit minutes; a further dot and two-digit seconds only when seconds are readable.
12.38
